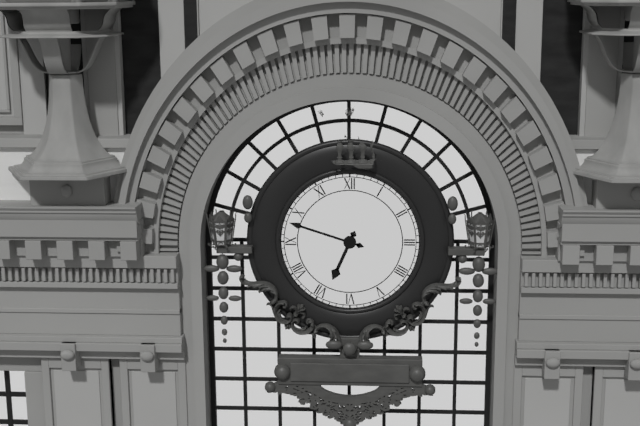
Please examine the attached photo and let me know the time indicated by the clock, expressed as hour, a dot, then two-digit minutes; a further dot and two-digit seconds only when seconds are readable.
6.48
